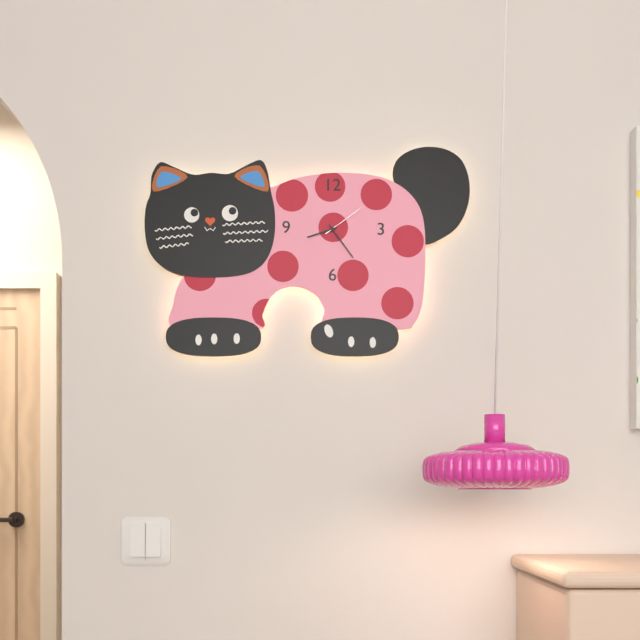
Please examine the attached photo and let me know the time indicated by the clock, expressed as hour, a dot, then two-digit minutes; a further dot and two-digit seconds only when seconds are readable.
8.24
